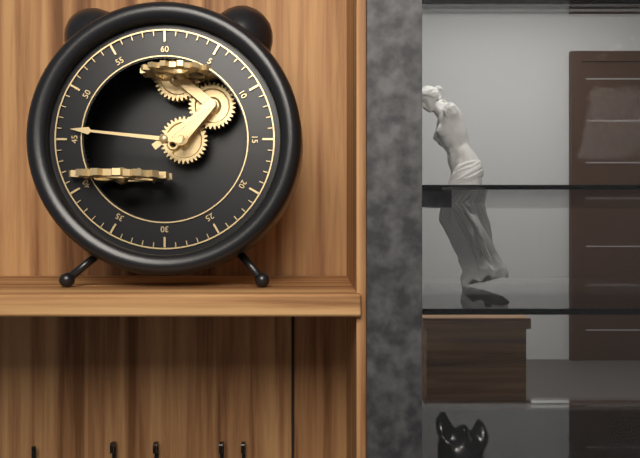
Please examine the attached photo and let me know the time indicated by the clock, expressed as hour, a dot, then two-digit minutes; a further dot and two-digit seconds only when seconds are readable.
1.46
